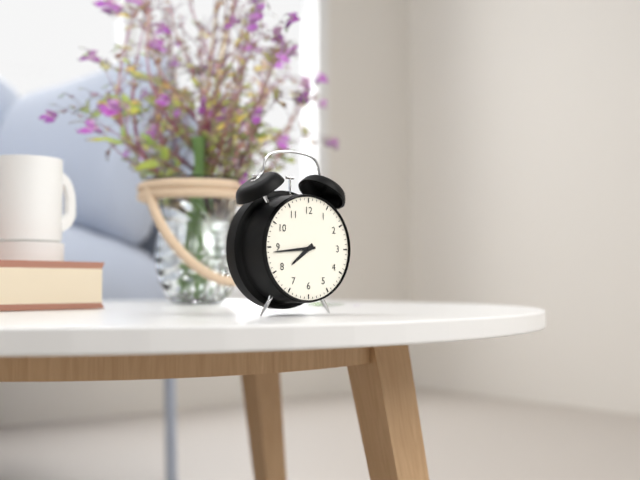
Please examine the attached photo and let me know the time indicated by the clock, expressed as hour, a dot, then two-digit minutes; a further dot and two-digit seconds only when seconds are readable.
7.44
